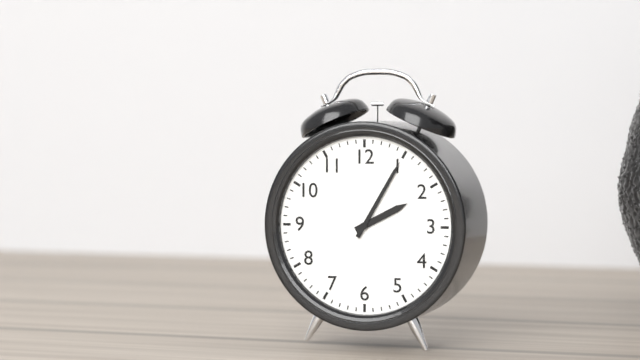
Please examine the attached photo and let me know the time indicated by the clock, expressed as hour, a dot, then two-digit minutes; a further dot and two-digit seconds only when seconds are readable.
2.05
